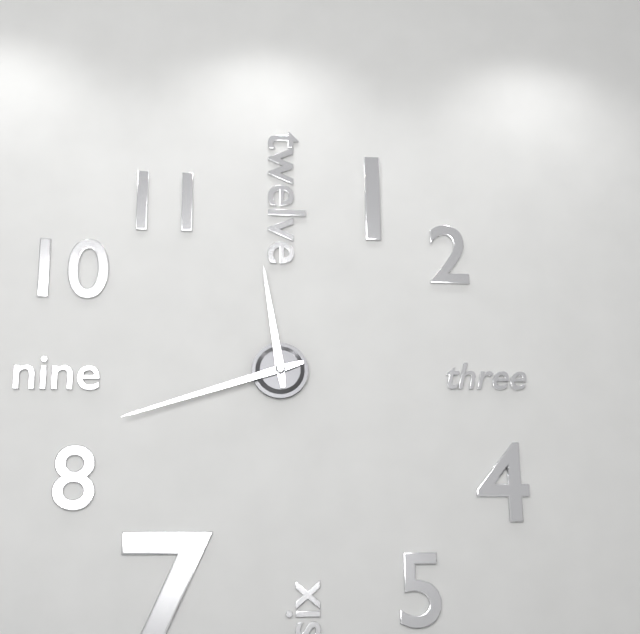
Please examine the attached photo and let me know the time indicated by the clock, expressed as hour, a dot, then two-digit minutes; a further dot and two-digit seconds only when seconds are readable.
11.42
